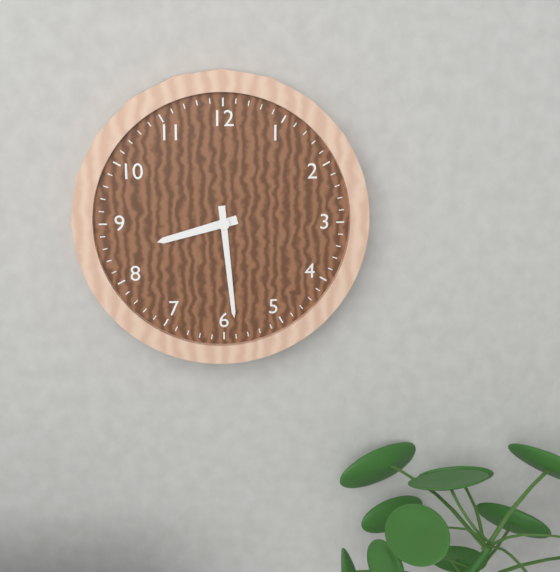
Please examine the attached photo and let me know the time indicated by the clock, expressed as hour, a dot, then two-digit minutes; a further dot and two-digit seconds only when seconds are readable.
8.29
